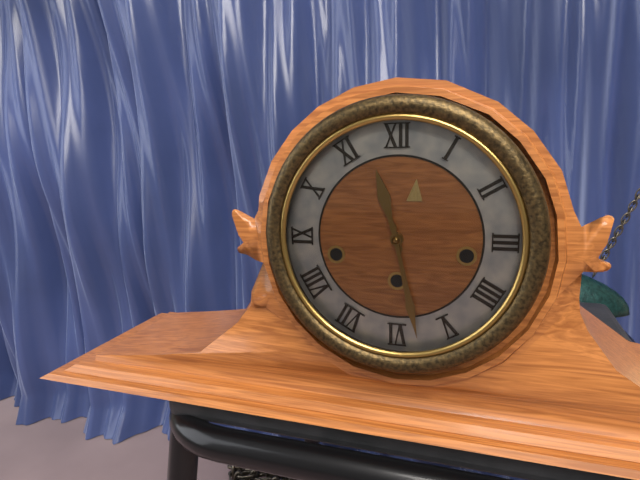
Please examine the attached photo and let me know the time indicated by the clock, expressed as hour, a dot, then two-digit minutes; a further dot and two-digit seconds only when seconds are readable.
11.28
